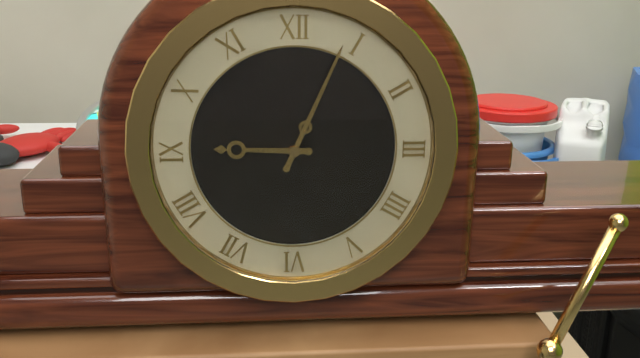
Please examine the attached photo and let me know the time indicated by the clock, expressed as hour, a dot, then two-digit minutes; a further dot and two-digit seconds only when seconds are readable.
9.04
